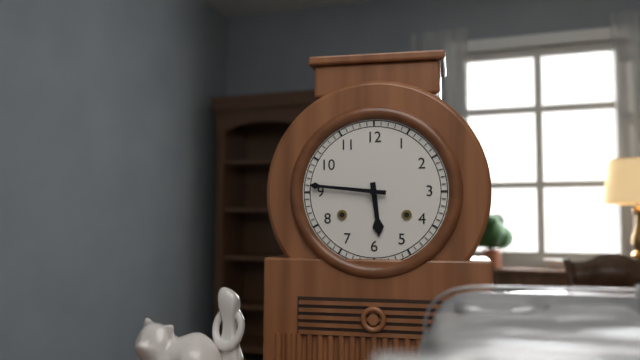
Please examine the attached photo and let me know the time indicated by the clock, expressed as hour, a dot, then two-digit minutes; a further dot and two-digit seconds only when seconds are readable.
5.46
